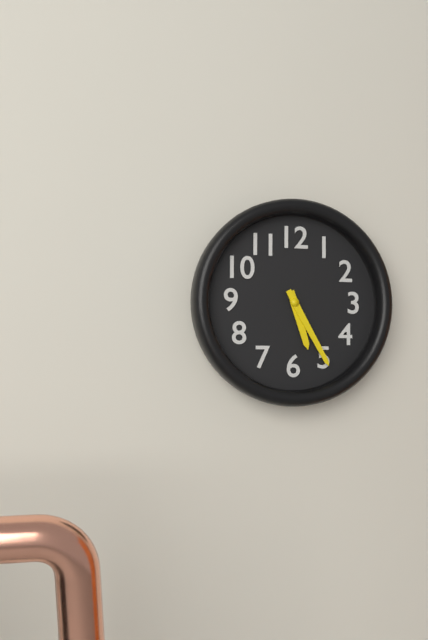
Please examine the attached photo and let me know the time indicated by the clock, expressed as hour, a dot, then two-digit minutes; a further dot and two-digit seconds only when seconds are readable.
5.25
